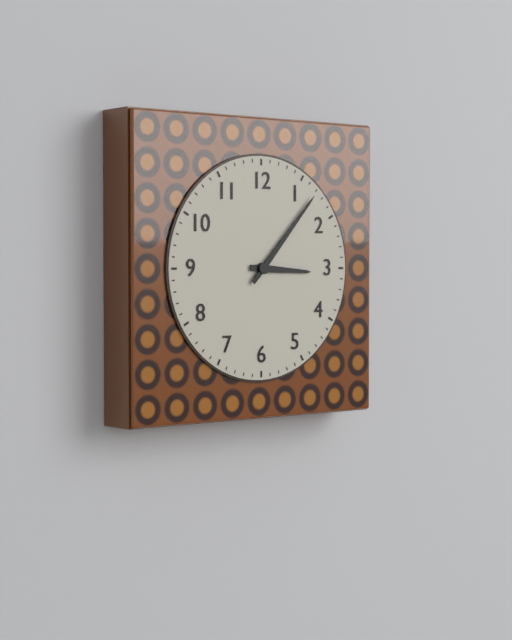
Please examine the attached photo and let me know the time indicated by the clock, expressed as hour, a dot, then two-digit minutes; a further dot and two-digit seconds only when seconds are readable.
3.07
